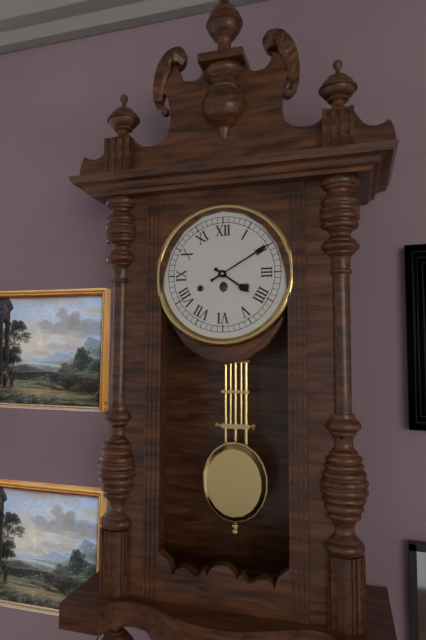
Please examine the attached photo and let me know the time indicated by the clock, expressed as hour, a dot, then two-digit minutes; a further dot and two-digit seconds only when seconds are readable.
4.10
